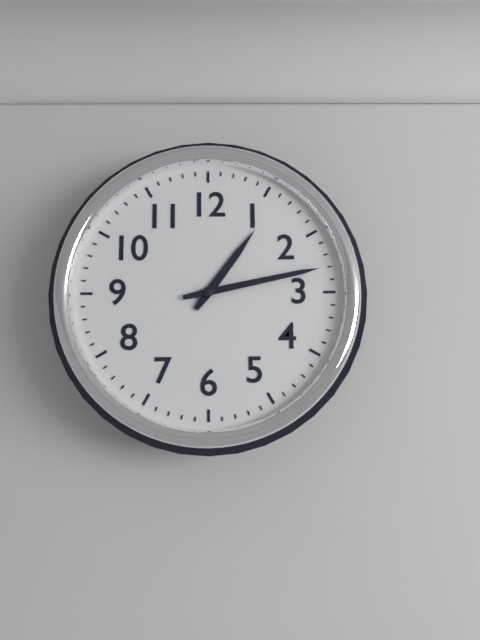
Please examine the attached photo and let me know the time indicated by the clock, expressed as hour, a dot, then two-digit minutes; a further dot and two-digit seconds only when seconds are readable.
1.13
